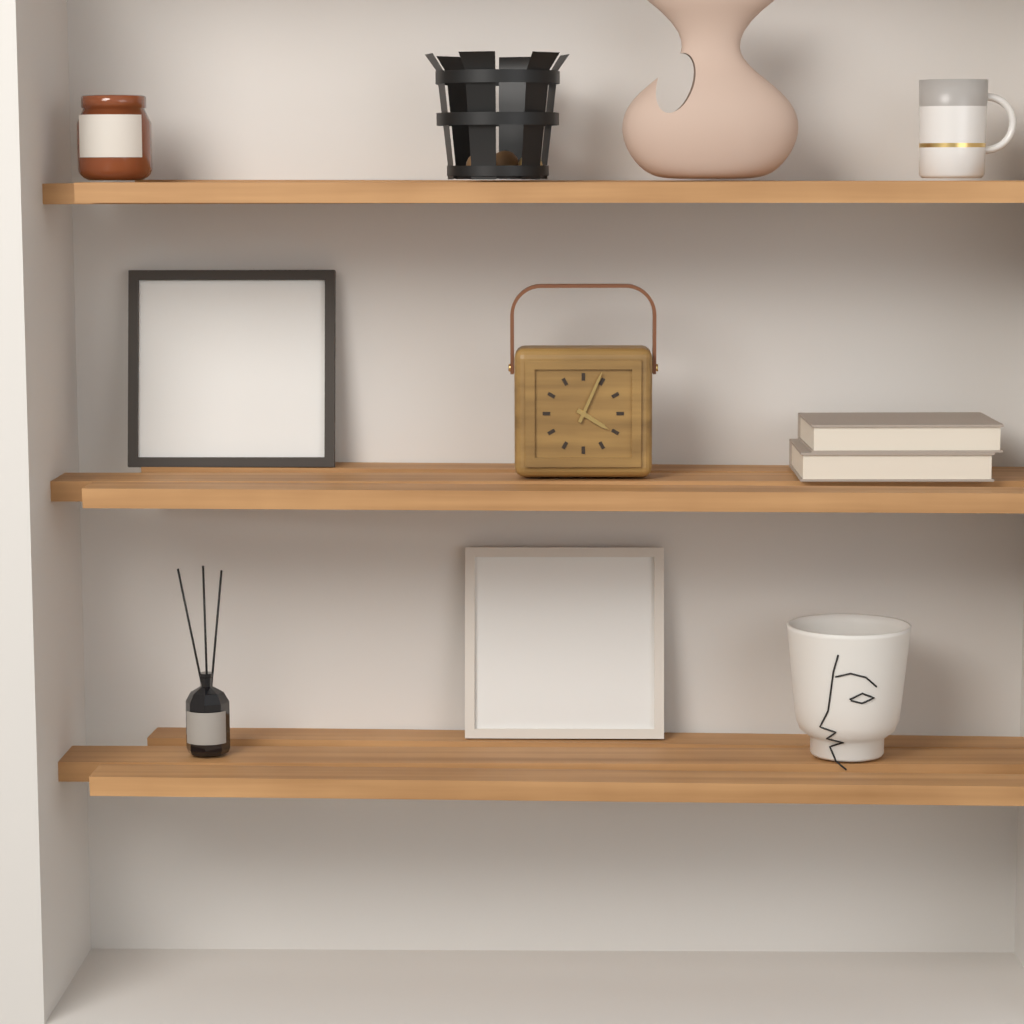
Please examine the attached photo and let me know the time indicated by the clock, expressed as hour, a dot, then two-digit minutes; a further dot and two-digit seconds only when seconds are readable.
4.04
